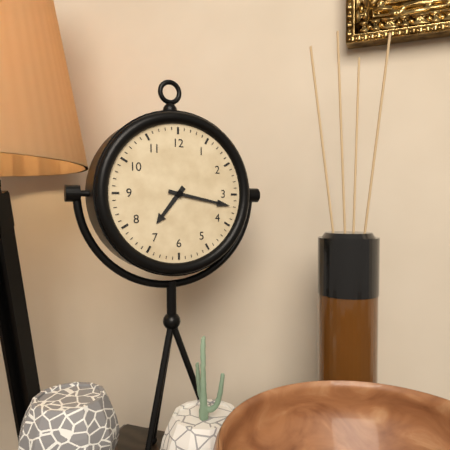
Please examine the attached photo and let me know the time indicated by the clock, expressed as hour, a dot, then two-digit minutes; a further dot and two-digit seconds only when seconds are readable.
7.17
